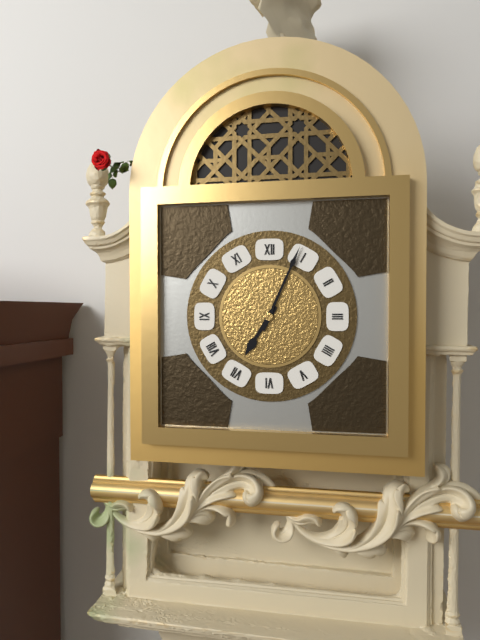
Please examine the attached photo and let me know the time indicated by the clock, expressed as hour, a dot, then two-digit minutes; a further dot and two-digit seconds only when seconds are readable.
7.04
